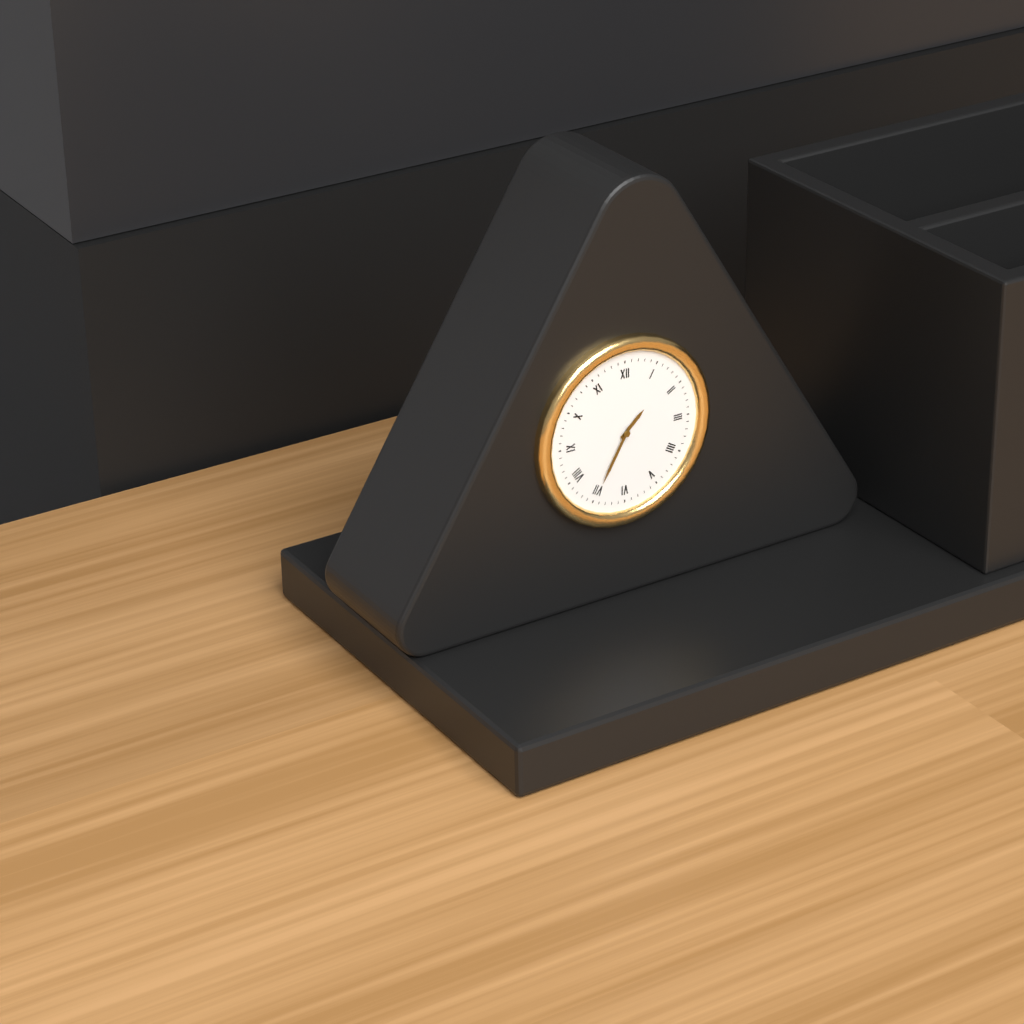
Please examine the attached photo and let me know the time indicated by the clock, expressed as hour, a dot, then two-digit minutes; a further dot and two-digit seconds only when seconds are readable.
1.35
